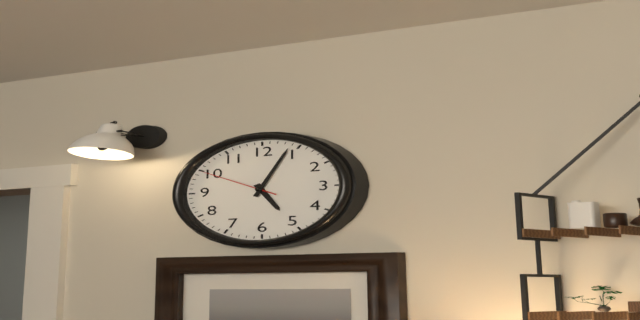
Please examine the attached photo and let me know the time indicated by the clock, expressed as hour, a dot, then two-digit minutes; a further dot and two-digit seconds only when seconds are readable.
5.04.50
